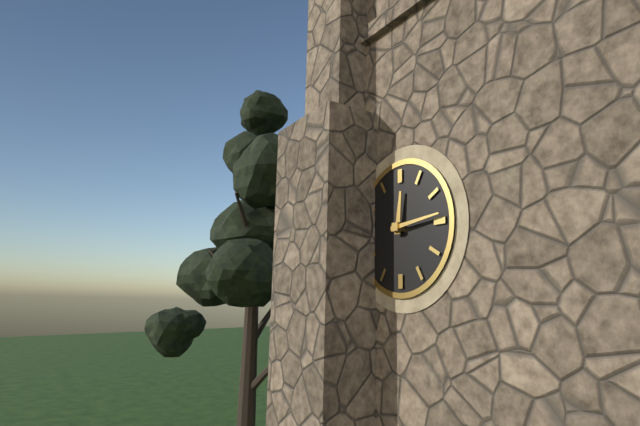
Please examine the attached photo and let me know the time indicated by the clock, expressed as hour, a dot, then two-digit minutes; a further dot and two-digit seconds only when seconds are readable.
12.14
